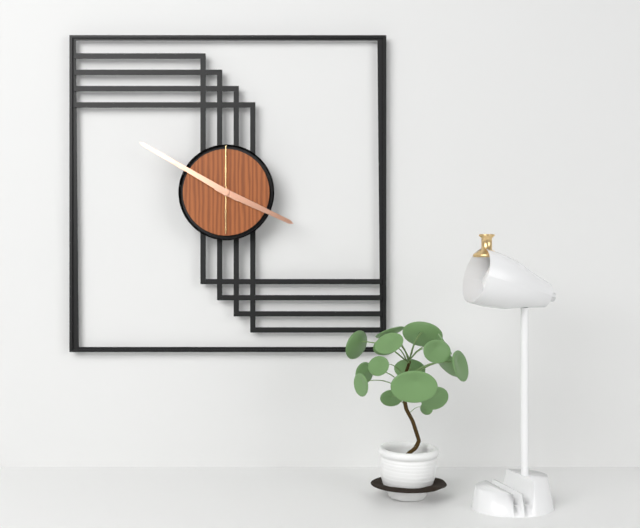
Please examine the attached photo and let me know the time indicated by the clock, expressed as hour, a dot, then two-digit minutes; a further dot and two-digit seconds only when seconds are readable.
3.50.00
